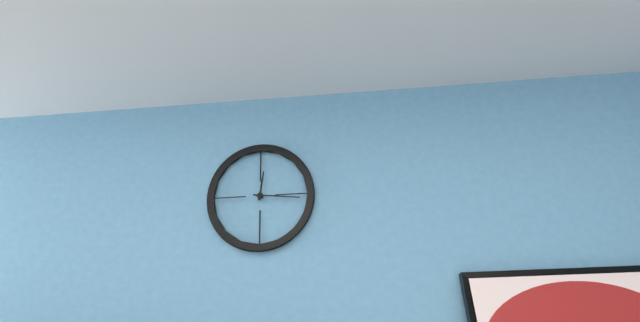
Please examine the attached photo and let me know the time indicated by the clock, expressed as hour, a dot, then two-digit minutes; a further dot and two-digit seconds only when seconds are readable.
12.16
